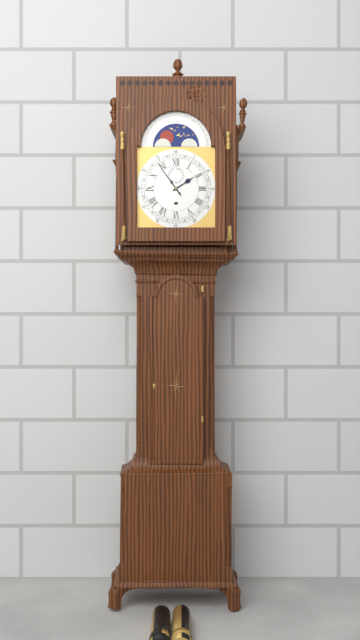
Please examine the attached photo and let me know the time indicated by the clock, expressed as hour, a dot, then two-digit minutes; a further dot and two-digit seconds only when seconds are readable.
1.54
